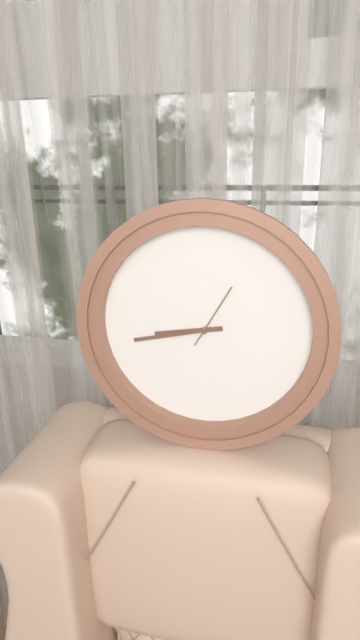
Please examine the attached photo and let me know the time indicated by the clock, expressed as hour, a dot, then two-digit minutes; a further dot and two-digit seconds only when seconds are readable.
8.43.05
